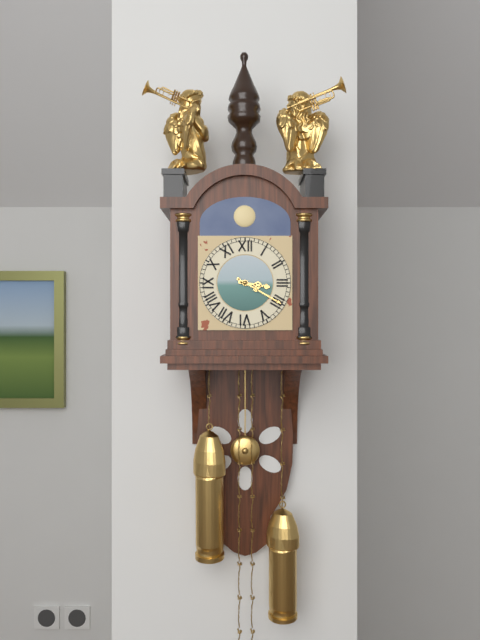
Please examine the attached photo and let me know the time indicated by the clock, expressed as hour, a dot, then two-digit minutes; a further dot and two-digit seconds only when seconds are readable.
3.20
